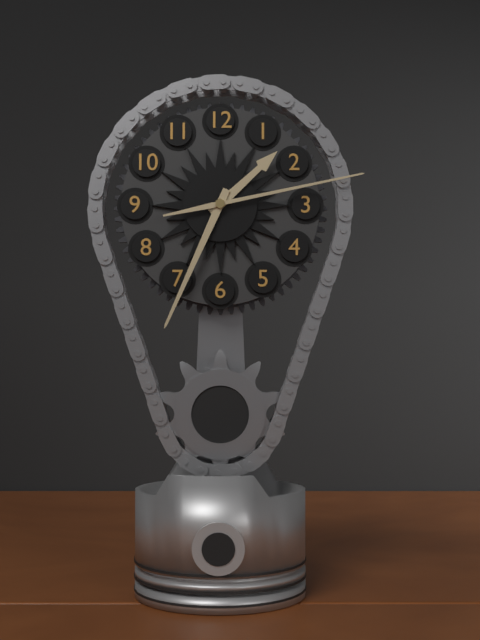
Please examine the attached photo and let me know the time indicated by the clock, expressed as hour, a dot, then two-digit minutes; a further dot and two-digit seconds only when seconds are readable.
1.34.13
